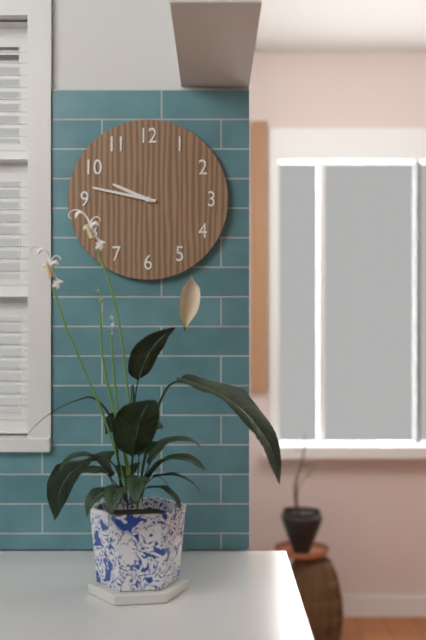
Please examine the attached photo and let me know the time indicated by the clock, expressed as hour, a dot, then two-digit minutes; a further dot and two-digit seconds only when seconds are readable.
9.47
